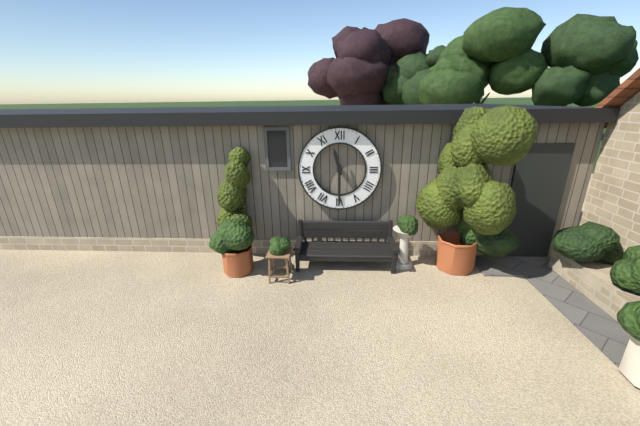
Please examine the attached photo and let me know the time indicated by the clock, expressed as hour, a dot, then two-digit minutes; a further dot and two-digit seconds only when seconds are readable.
11.30
